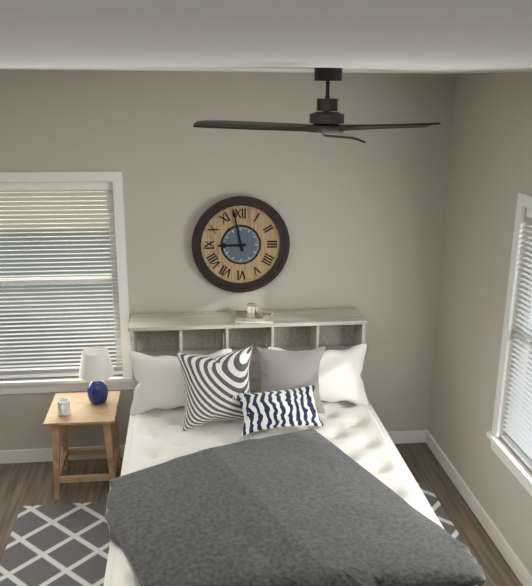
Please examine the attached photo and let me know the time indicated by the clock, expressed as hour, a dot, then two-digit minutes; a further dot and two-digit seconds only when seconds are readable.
8.58
